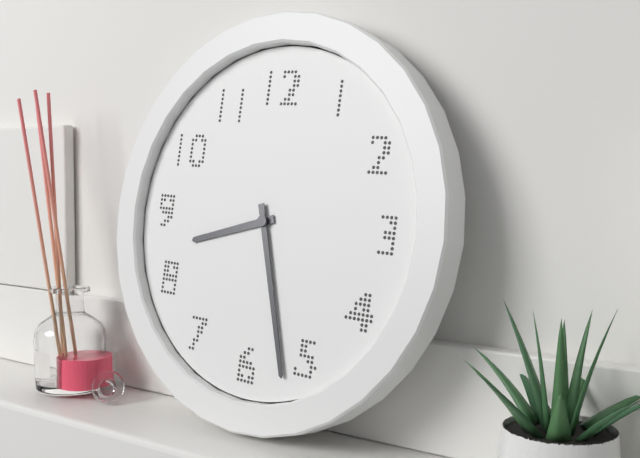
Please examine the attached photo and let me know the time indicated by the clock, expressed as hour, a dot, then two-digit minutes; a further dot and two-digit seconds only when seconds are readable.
8.27
